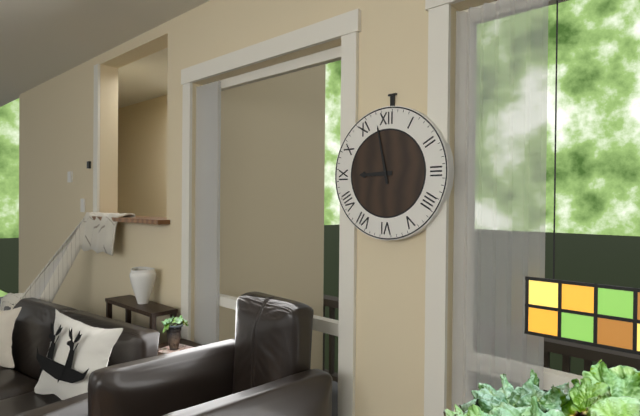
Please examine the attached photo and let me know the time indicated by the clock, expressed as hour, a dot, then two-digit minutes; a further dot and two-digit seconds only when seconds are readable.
8.58
